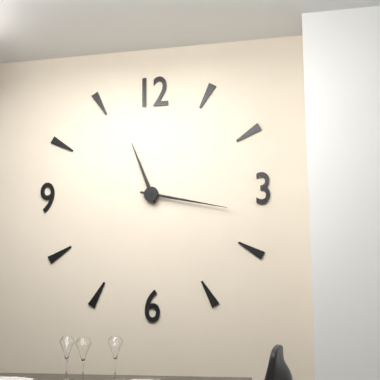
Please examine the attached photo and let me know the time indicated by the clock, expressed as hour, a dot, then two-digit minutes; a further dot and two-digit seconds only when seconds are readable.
11.17
